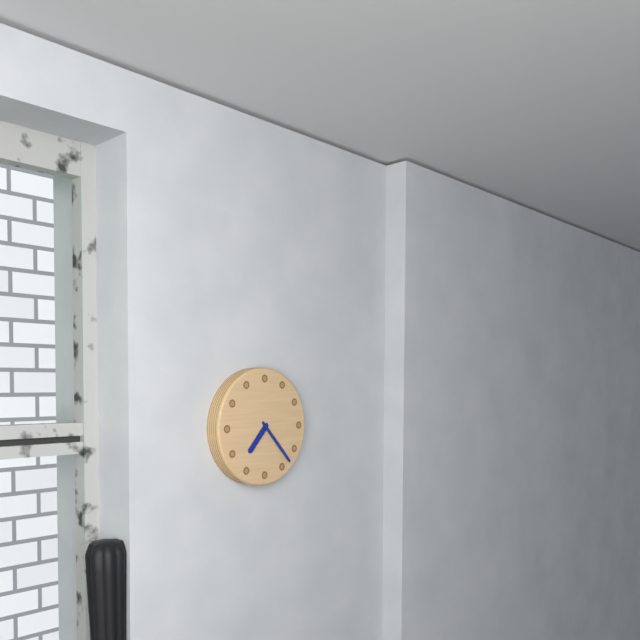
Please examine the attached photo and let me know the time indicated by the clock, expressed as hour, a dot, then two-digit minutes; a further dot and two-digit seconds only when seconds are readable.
7.23
